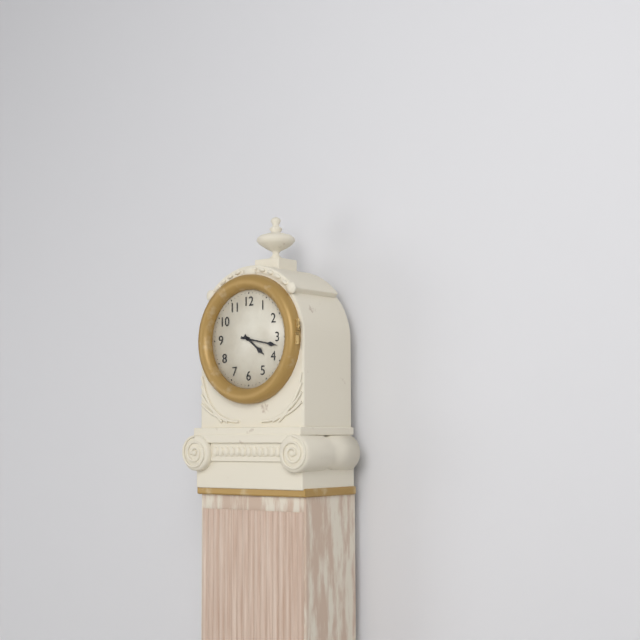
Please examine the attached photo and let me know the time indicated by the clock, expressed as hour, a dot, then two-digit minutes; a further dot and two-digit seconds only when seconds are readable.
4.17
